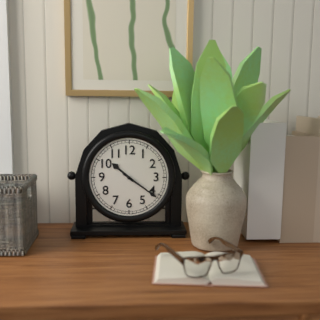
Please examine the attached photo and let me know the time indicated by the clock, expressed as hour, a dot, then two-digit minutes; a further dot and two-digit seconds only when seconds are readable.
10.21
